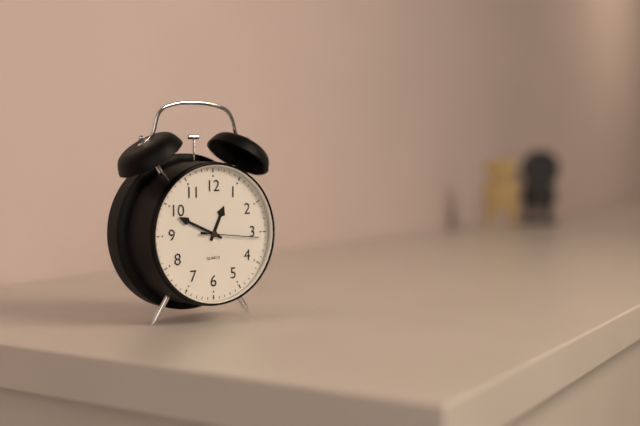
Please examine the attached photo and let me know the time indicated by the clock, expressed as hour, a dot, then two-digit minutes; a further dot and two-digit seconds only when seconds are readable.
12.49.16
